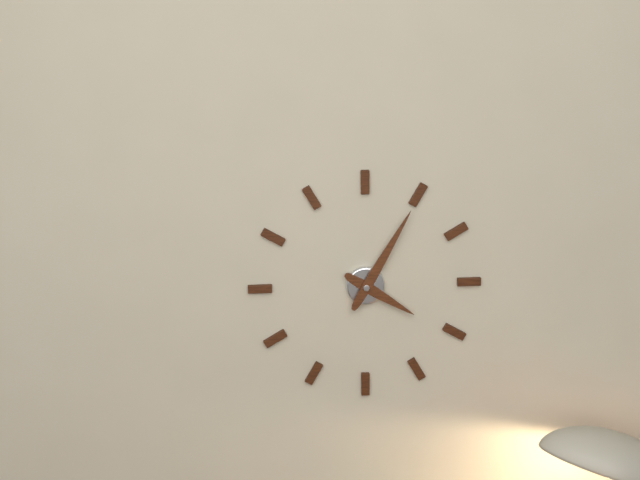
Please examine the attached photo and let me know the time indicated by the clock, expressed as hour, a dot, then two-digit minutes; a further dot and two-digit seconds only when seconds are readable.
4.05
